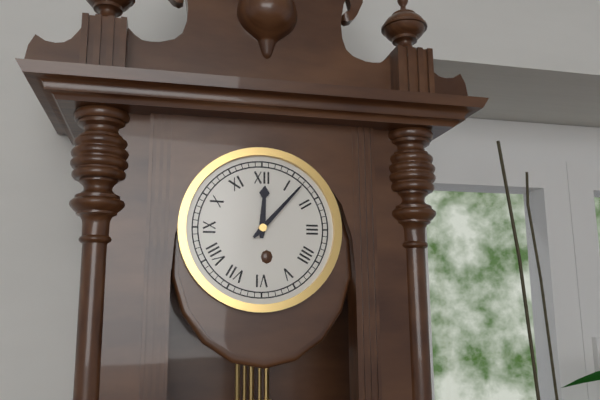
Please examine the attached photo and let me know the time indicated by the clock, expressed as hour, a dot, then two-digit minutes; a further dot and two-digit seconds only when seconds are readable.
12.07
